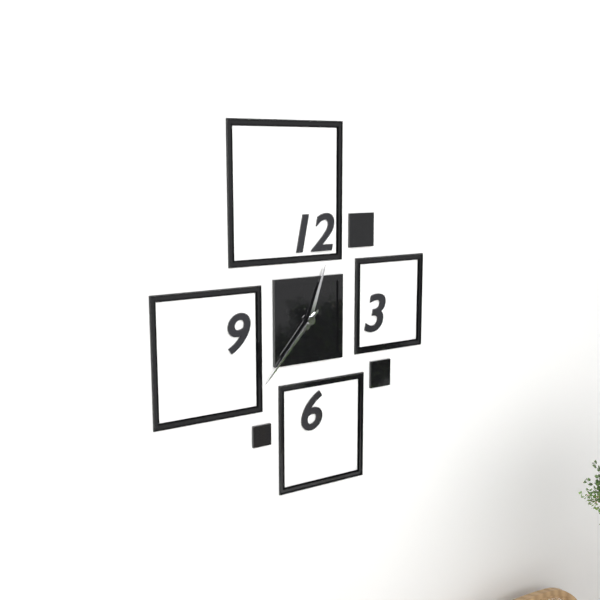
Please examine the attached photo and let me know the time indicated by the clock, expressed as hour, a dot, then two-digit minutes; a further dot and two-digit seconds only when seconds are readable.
12.37
